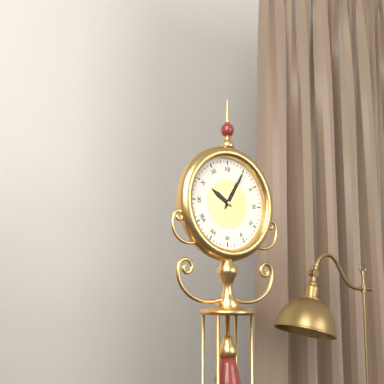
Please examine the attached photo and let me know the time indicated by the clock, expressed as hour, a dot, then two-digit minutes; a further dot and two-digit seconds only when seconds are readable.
10.05
